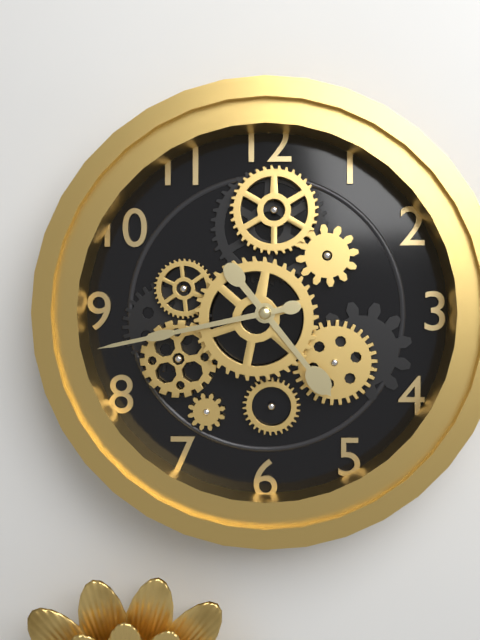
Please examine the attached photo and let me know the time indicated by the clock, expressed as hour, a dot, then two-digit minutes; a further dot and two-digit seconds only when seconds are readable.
4.43
